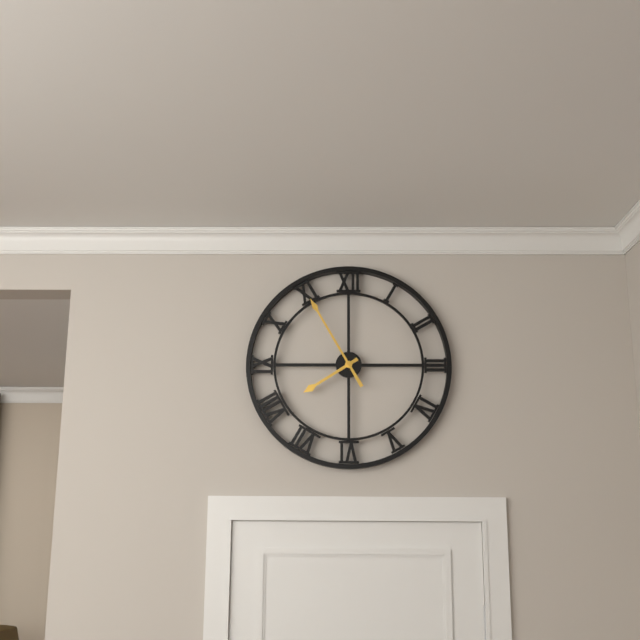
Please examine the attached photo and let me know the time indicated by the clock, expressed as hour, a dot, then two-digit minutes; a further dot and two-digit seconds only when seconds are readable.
7.55
